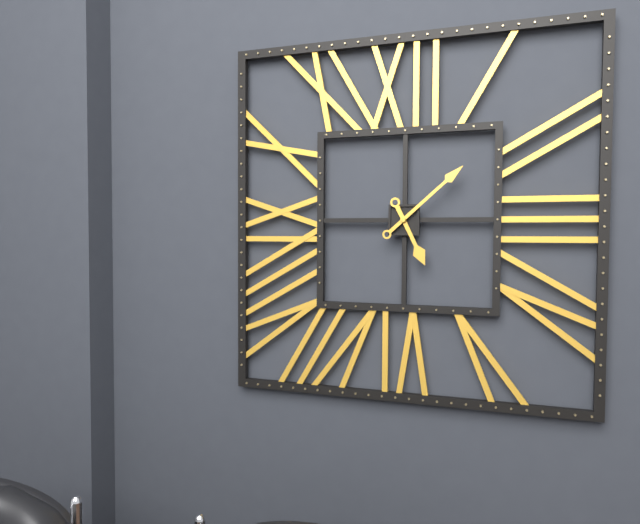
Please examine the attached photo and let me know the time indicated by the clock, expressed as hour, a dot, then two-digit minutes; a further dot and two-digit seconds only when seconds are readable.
5.08
